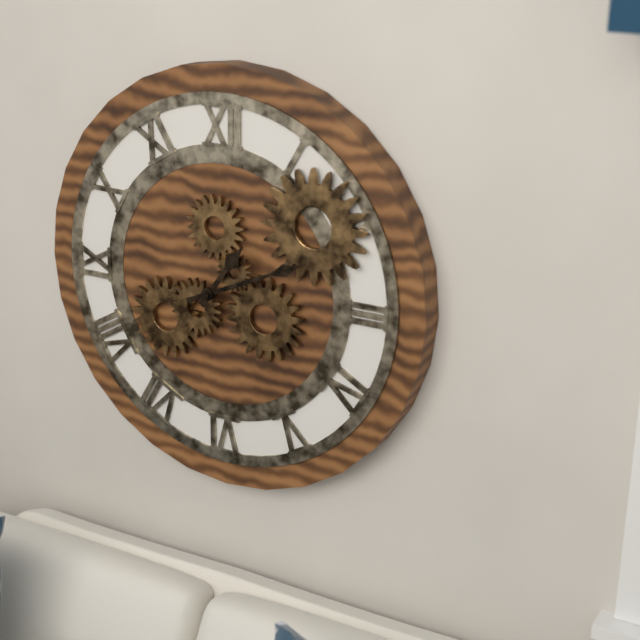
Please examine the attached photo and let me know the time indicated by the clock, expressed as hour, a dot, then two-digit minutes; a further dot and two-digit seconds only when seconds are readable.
1.11
